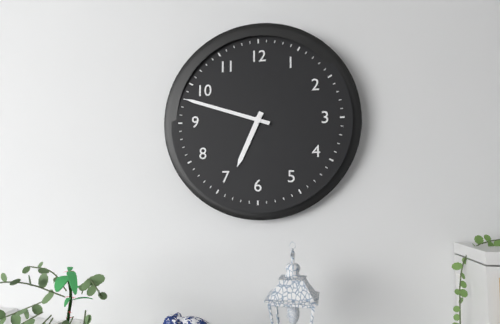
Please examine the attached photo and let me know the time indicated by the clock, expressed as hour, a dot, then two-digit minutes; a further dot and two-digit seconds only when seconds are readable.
6.48
